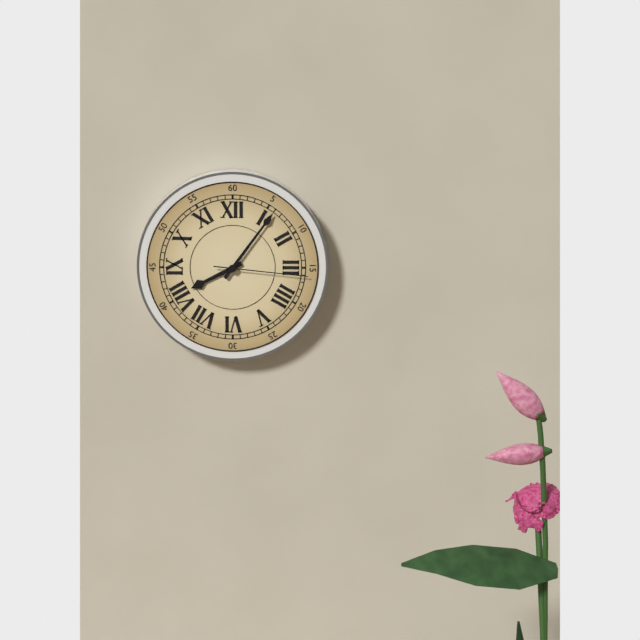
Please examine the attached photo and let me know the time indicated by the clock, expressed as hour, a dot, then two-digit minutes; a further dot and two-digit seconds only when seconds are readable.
8.06.16
